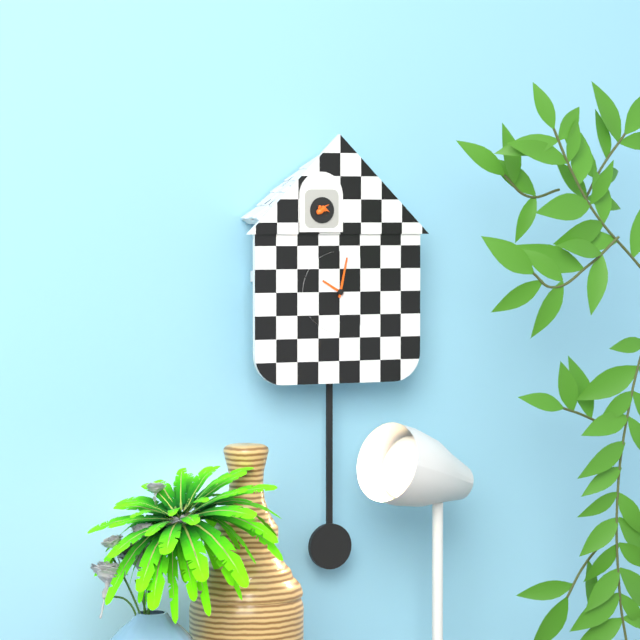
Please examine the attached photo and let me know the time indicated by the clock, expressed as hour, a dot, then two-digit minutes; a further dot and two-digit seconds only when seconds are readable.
10.02
